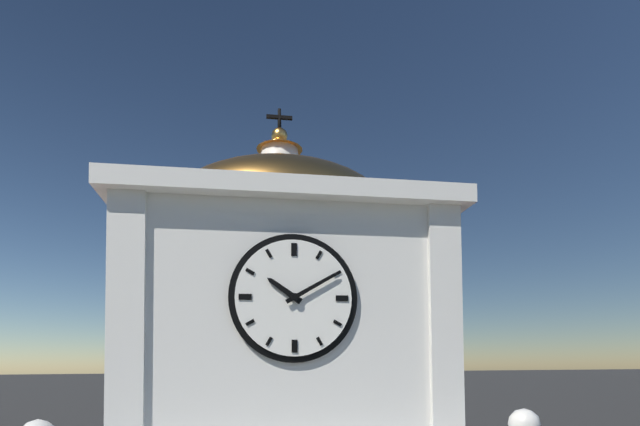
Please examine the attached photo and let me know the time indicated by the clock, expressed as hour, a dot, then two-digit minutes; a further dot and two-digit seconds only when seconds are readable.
10.10
